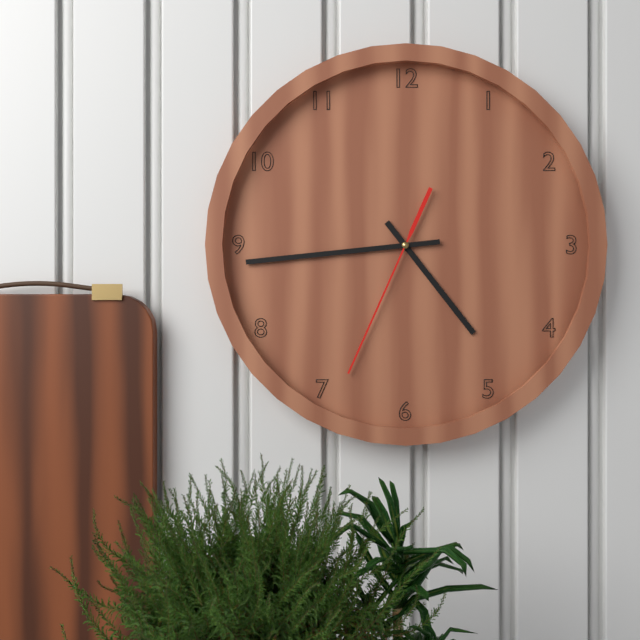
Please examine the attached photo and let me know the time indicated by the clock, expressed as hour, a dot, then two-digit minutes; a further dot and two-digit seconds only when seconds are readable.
4.44.34
